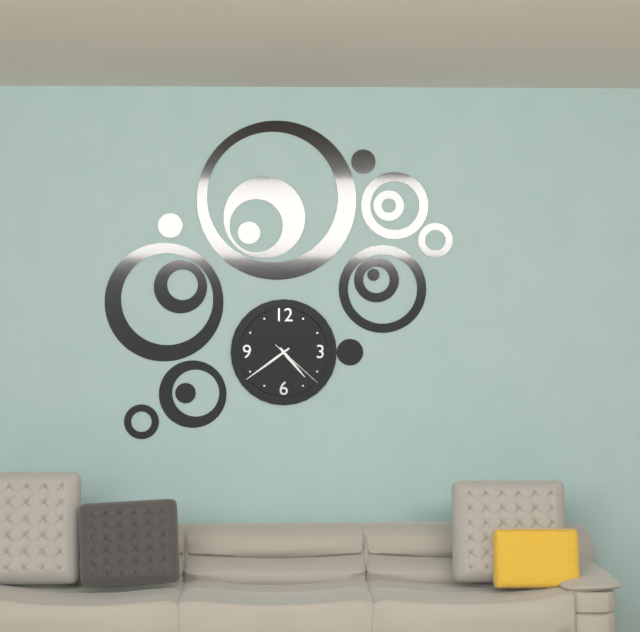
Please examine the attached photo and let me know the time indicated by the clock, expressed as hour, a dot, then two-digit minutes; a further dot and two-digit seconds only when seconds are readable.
4.39.22
